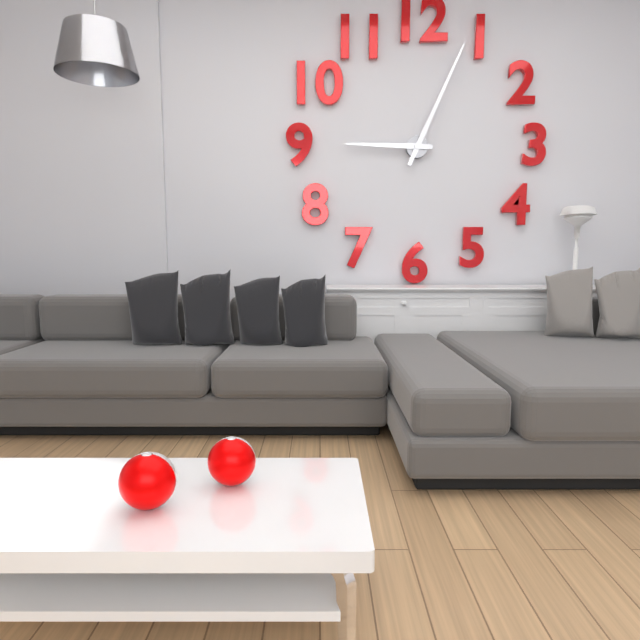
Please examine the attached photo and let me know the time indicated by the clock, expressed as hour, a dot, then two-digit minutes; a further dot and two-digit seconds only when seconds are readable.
9.04
